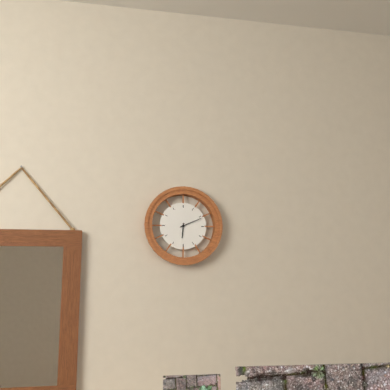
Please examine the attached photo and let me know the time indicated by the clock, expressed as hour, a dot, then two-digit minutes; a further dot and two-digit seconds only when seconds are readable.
6.11
